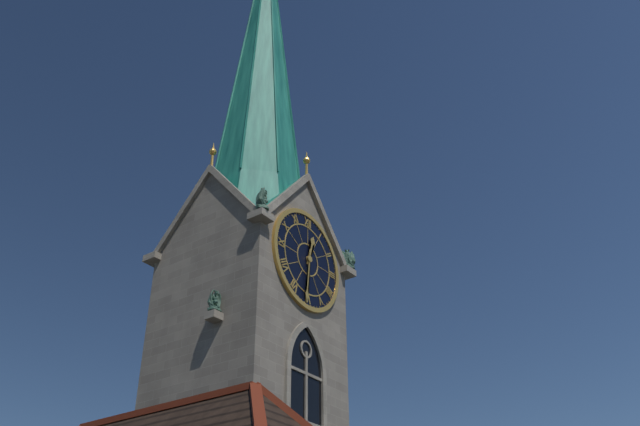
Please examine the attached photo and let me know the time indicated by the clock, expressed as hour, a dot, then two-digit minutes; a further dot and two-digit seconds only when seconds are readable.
12.31
